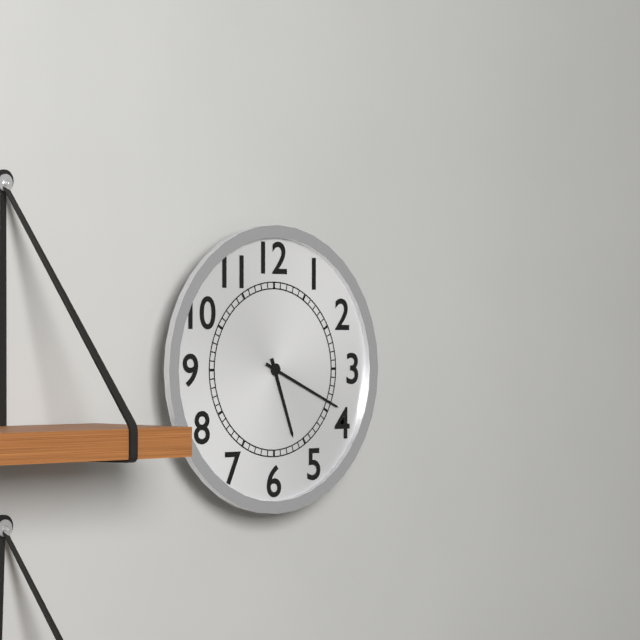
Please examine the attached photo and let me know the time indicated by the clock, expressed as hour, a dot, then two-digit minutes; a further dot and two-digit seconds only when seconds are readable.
5.19
